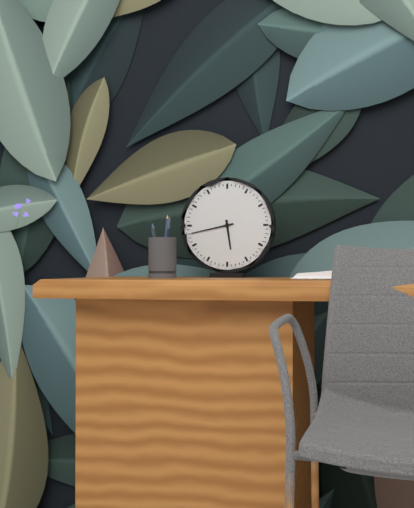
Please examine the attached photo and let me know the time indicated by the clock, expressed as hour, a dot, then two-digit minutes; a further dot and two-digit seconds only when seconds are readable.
5.43
